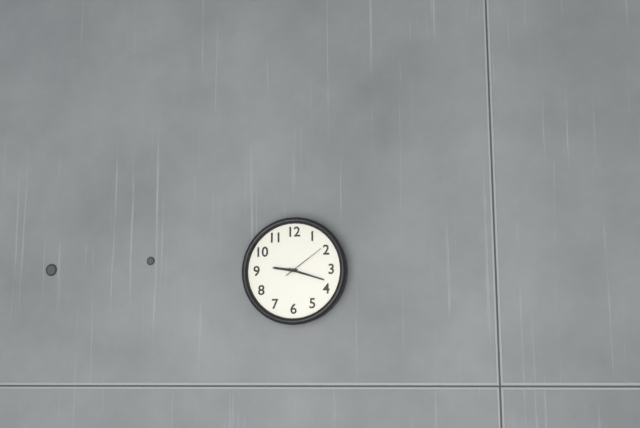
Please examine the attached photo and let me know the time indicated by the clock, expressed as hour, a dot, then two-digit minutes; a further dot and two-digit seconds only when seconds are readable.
9.18
